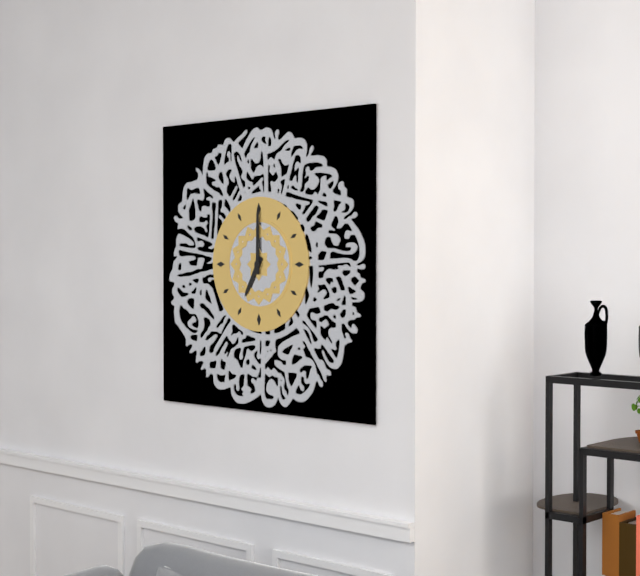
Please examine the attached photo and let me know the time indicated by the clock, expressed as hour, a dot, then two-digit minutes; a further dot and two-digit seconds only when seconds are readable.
7.00
